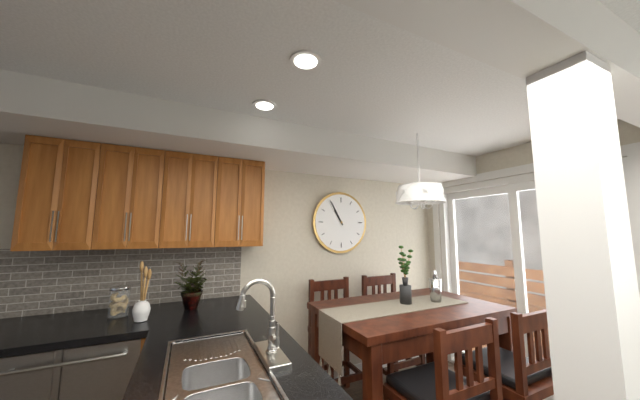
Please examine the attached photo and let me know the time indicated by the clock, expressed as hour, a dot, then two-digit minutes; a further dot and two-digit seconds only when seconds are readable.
10.55
